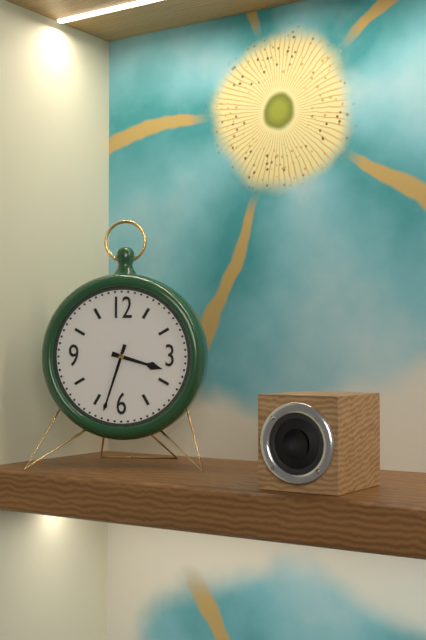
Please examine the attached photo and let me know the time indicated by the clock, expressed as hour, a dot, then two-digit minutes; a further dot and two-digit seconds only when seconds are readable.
3.33
